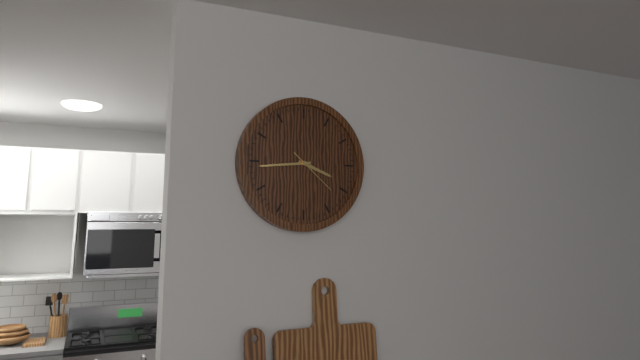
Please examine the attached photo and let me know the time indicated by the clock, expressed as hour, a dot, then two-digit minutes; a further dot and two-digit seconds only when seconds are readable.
3.44
